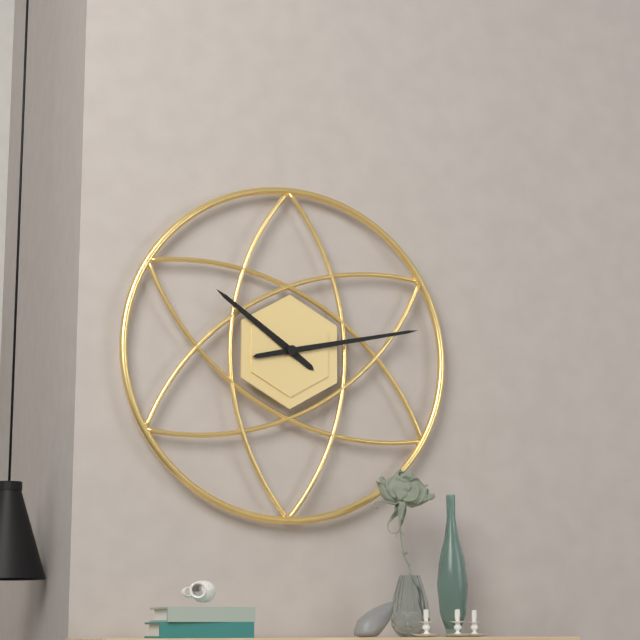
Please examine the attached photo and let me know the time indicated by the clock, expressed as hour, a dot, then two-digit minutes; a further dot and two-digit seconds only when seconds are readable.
10.13
